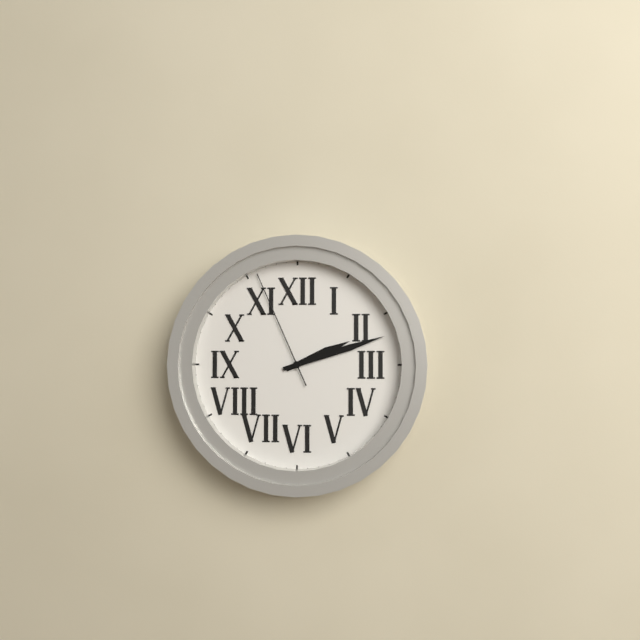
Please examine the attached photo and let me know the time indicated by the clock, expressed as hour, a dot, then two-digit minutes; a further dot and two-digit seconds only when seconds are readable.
2.12.56
